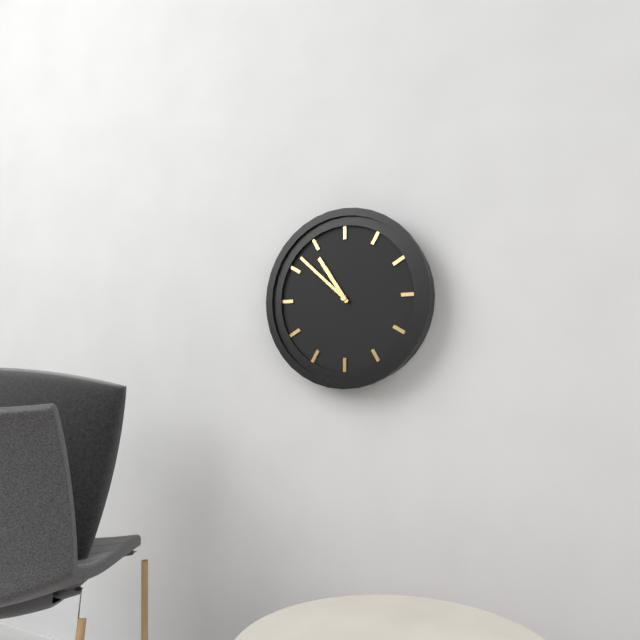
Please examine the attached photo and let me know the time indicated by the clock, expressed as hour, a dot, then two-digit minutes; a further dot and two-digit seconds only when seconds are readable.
10.52
